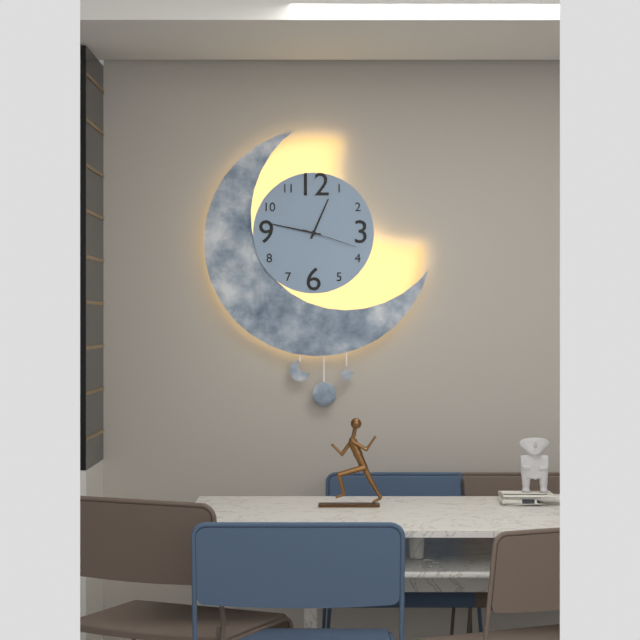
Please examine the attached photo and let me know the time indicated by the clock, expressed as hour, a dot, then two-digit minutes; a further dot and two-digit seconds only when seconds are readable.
12.47.18
